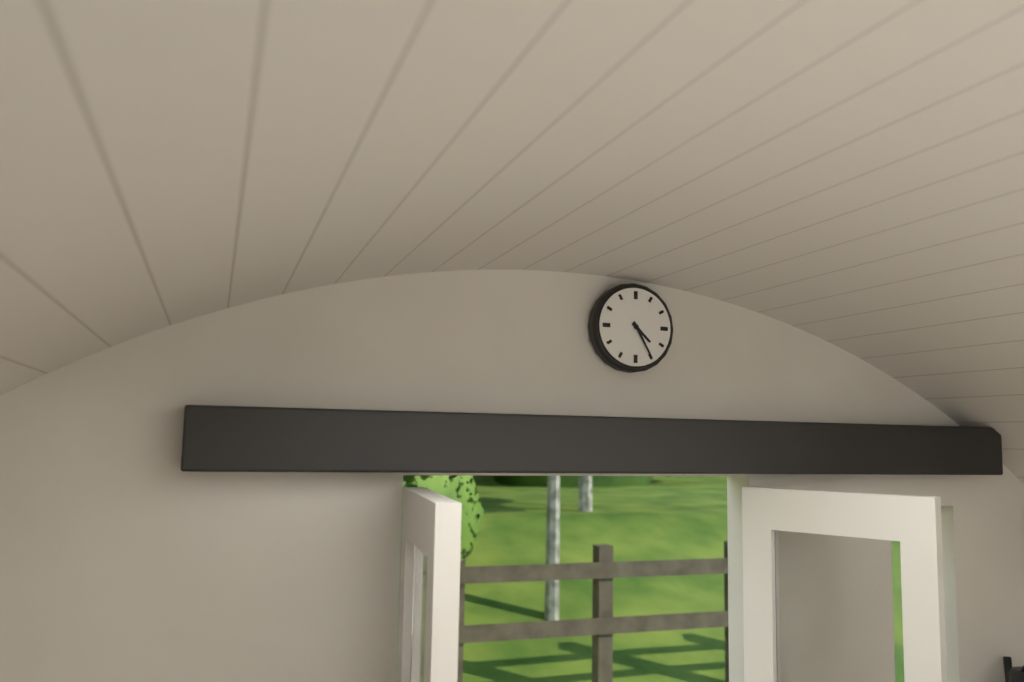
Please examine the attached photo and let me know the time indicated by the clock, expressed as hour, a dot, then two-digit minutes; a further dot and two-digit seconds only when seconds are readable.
4.25
